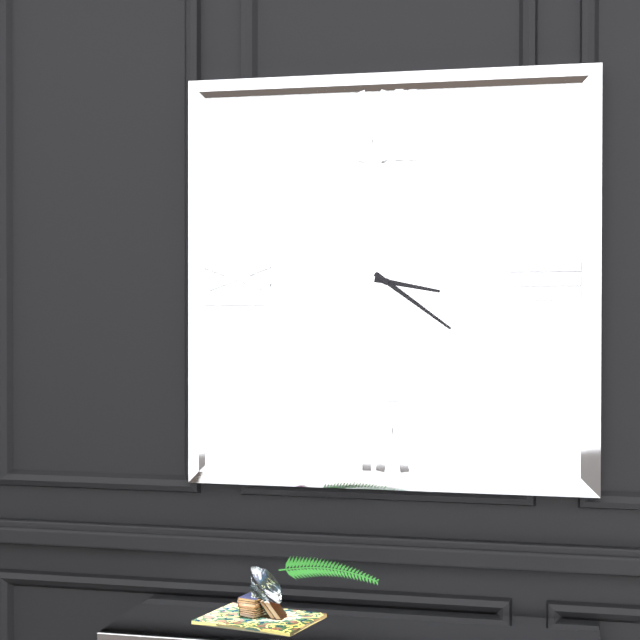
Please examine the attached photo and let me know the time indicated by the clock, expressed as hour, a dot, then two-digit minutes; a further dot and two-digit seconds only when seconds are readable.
3.21
